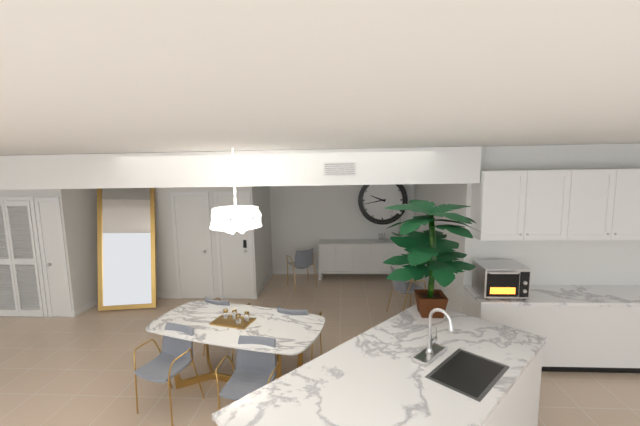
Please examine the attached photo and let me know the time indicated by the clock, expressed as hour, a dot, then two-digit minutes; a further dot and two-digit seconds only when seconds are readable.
9.43
